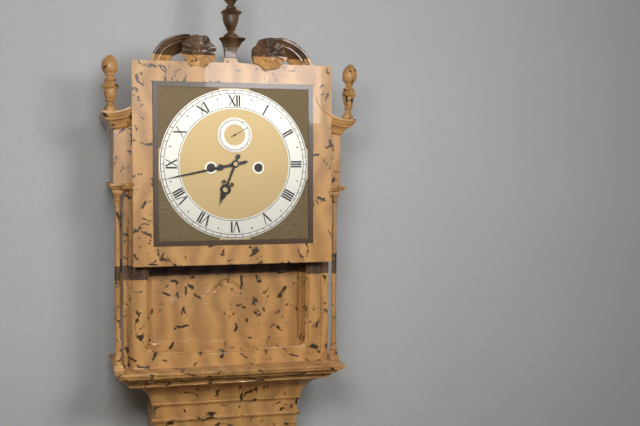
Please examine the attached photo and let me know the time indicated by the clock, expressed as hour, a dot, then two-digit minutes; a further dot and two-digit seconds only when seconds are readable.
6.43
